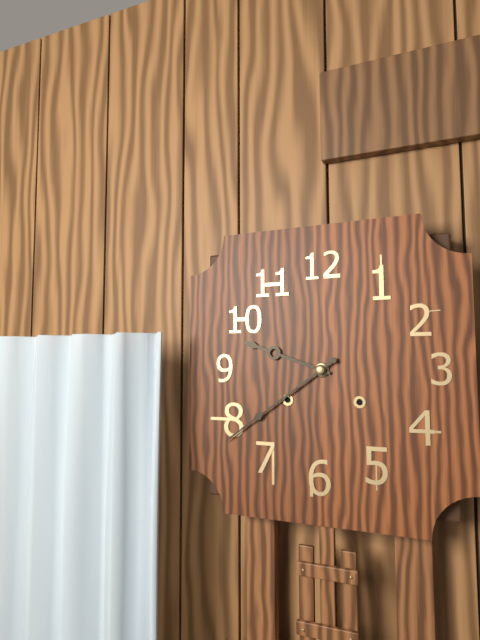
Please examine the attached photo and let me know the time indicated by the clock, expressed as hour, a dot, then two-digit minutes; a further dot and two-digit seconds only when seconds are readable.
9.39
